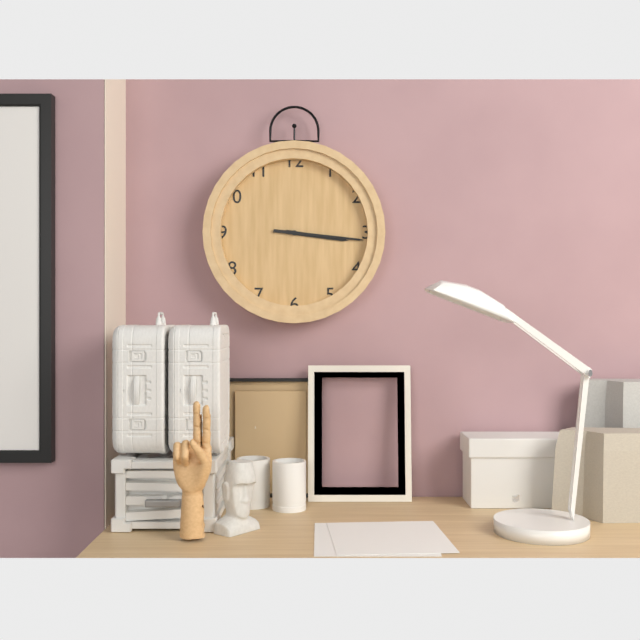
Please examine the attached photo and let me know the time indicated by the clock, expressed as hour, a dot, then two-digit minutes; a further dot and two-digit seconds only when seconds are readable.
3.16
